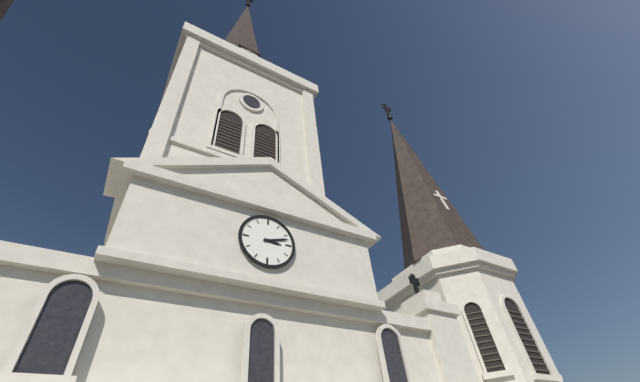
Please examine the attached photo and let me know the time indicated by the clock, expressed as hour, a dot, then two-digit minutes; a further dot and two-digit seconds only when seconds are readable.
3.12
